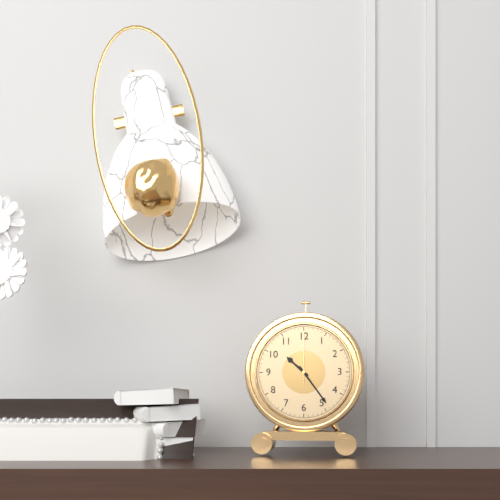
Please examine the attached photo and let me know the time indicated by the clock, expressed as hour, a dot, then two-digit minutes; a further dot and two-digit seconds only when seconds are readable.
10.24.00
